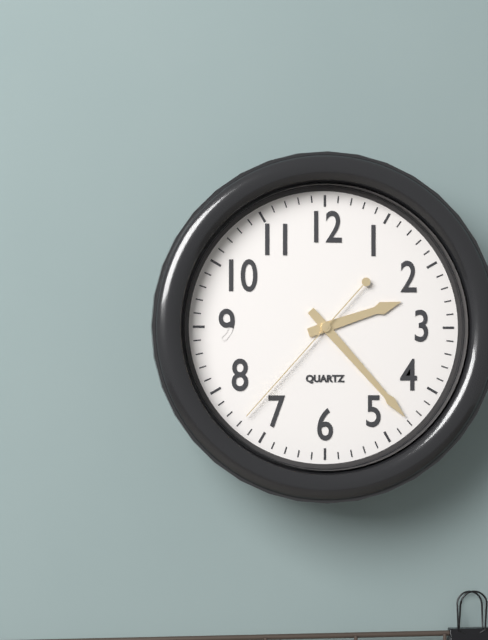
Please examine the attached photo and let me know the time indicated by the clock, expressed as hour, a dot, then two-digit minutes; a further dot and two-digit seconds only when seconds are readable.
2.23.37
